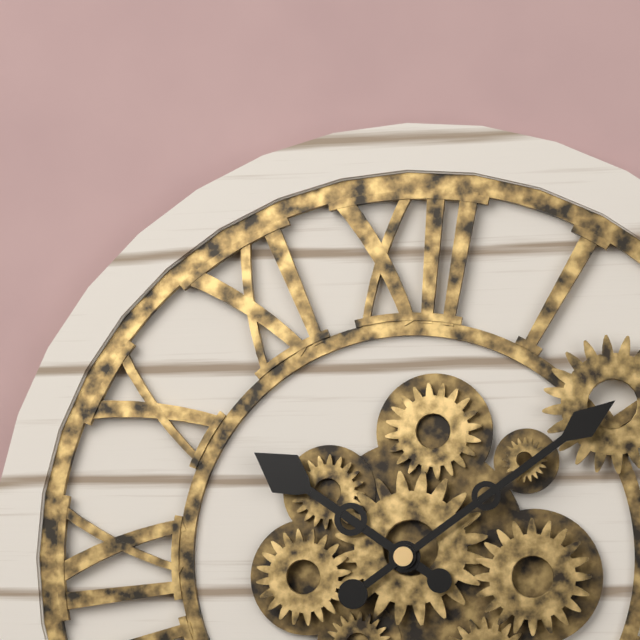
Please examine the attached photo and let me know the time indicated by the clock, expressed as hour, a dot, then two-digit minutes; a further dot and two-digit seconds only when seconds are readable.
10.09
